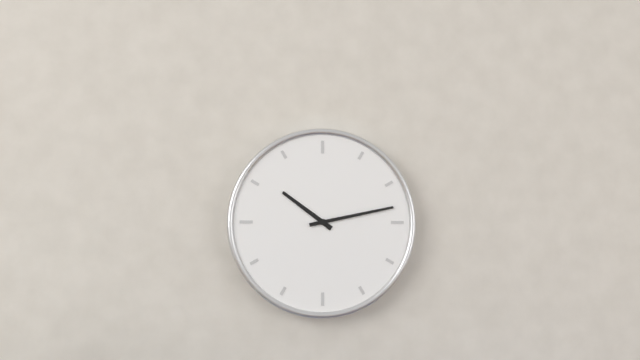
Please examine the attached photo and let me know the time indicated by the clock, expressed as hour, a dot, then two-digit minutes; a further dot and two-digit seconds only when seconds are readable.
10.13
